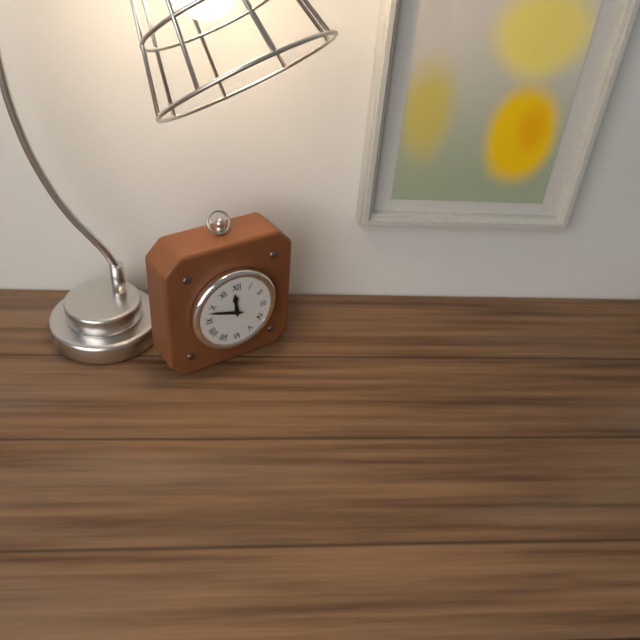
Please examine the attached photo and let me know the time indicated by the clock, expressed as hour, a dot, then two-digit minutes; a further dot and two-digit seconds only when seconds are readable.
11.48
